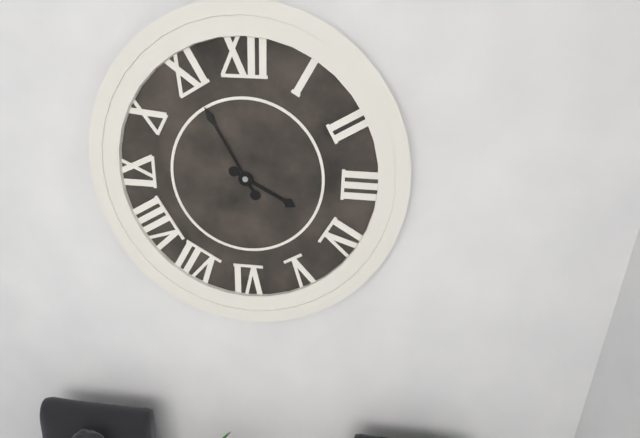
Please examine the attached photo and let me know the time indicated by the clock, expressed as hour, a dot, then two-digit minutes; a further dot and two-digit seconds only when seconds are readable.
3.55
